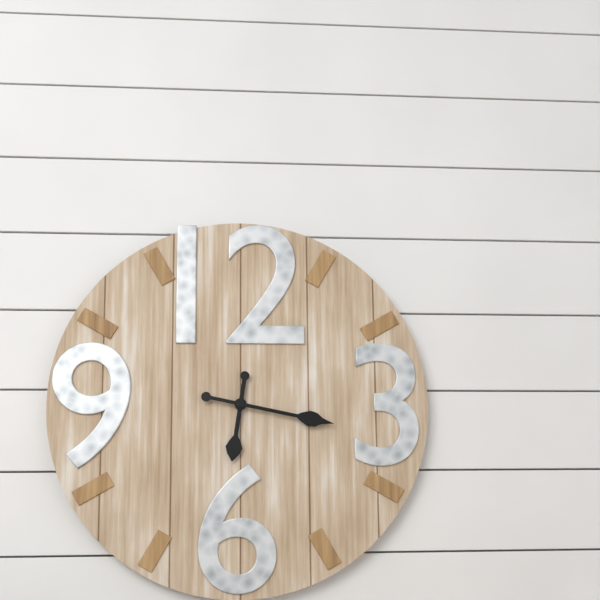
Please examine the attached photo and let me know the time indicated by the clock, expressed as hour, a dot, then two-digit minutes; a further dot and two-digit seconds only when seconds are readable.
6.17
